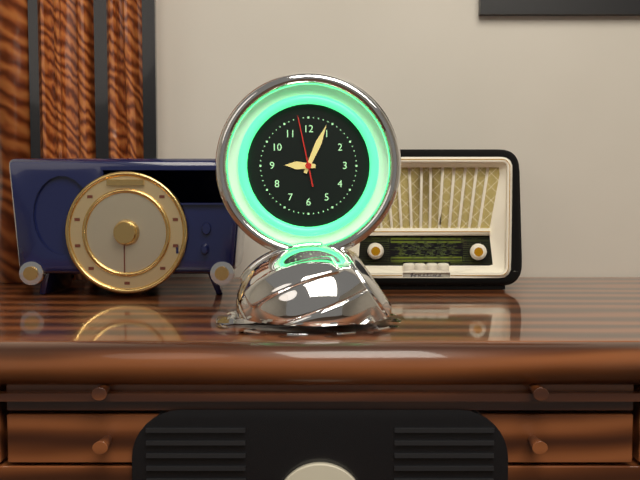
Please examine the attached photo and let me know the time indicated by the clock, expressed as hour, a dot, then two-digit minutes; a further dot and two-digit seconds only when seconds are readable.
9.04.58
